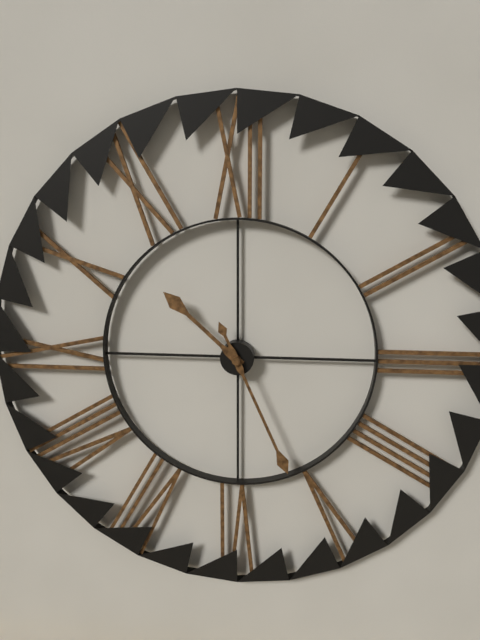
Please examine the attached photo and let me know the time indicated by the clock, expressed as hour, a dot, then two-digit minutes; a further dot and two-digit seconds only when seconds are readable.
10.26
